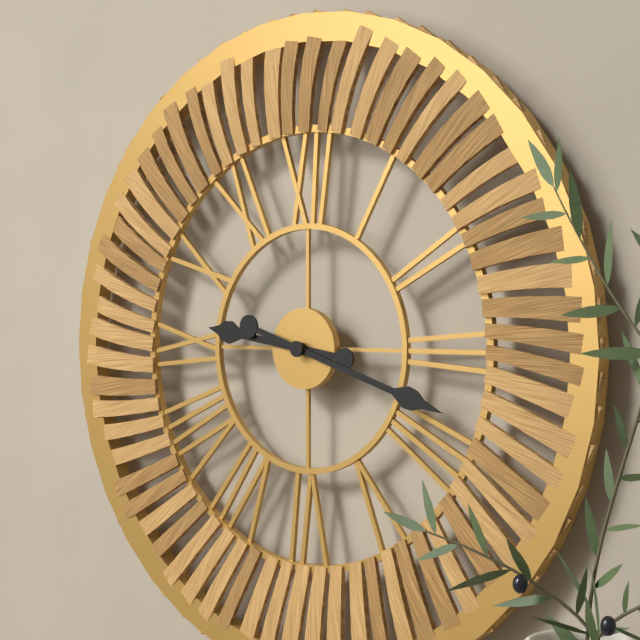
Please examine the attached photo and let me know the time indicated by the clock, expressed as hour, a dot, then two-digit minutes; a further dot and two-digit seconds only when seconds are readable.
9.18
